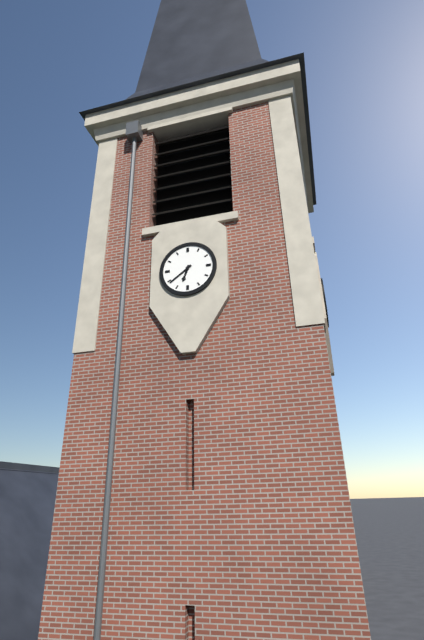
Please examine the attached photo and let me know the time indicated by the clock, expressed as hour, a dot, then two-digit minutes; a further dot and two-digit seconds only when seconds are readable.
6.39
